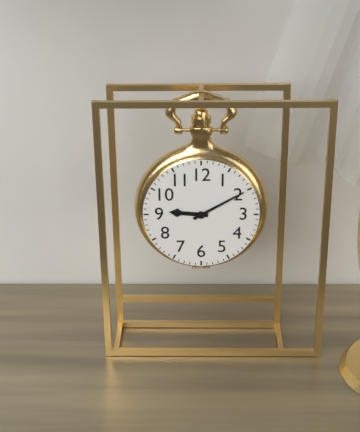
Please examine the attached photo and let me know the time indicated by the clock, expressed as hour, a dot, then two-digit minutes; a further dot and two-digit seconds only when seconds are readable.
9.10
